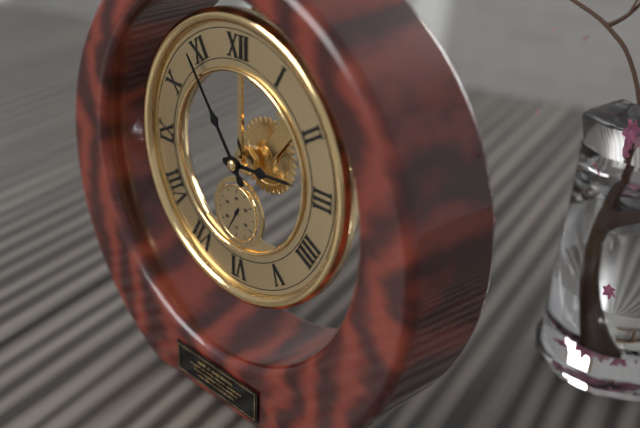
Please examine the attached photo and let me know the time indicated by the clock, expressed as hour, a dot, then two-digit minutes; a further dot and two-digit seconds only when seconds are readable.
2.54
